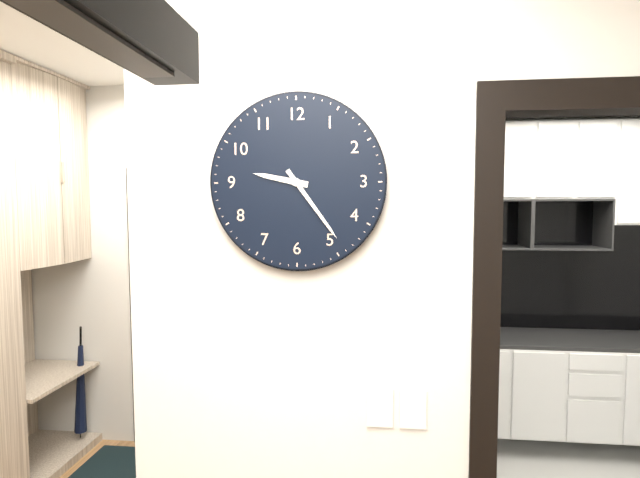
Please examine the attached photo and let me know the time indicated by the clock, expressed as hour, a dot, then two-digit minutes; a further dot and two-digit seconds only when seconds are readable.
9.24
